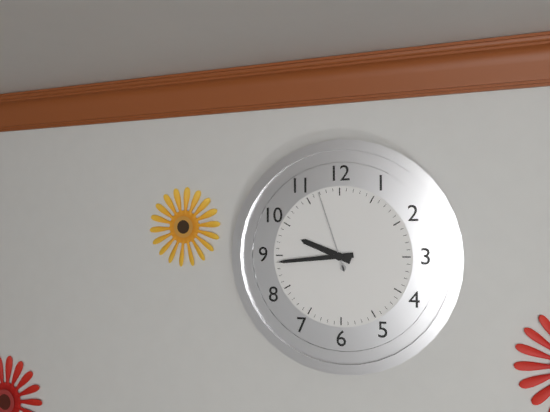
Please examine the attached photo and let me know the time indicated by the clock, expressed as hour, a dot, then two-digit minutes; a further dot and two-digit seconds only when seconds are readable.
9.44.57
